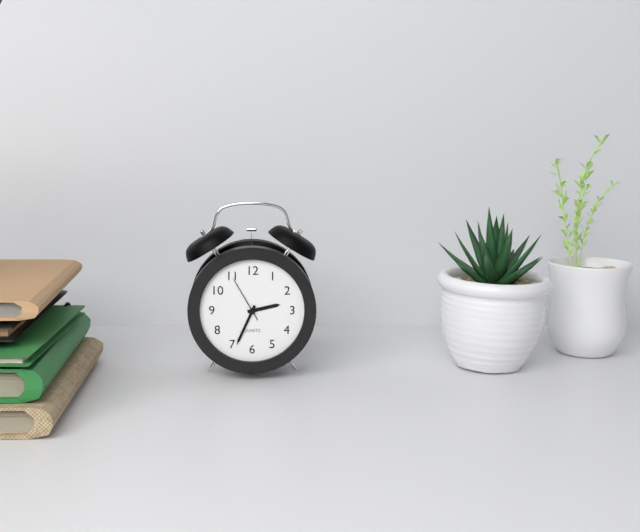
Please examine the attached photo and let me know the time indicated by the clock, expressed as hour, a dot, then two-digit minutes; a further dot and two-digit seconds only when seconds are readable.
2.34
